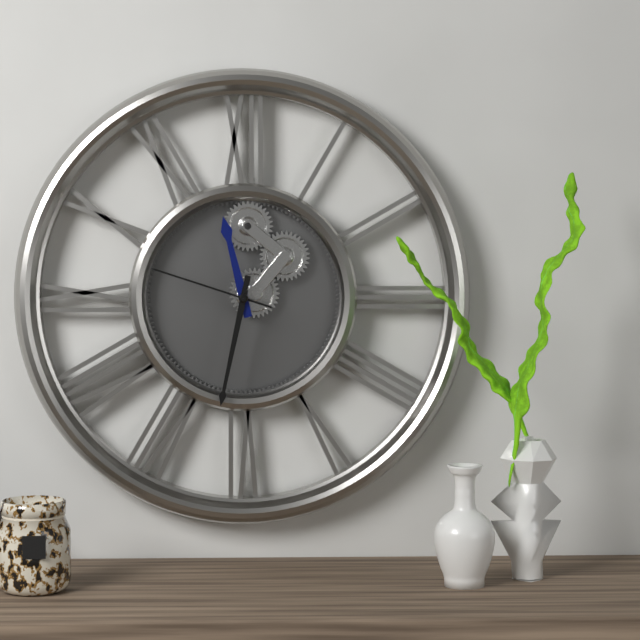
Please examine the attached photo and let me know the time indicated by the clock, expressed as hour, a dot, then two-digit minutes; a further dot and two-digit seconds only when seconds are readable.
11.32.48
